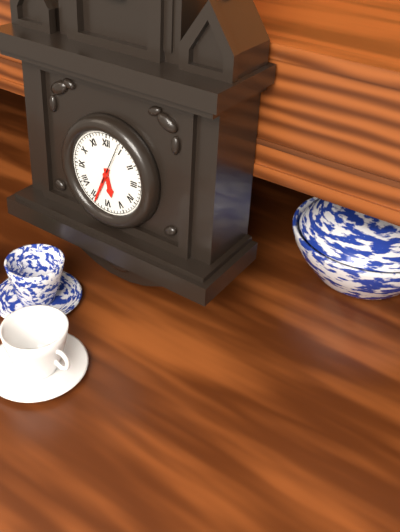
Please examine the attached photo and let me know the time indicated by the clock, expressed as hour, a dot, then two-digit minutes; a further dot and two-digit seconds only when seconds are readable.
5.34
